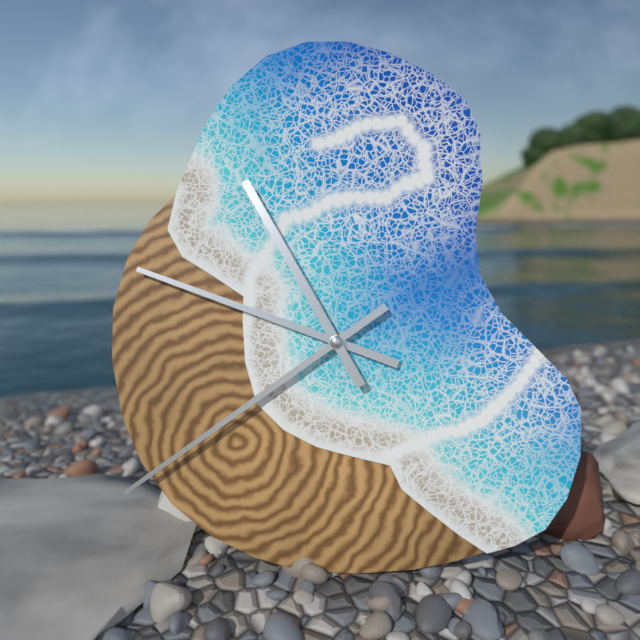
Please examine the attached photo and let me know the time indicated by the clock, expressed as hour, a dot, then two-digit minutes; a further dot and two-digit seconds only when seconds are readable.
9.39.55
